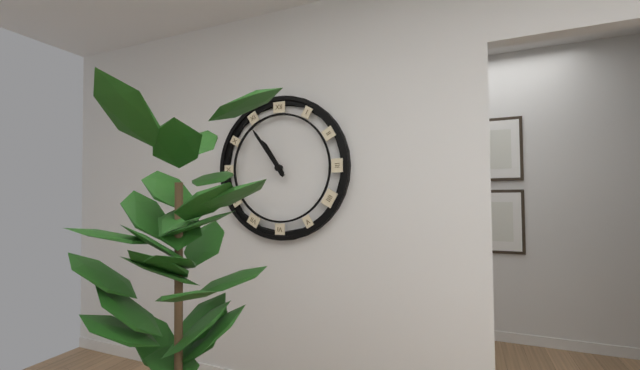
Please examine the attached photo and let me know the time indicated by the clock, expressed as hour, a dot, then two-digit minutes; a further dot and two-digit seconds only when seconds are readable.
10.54
